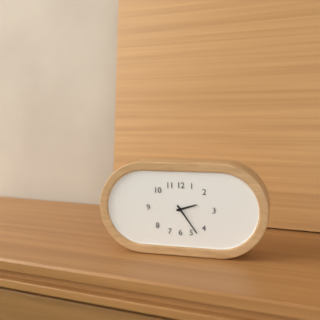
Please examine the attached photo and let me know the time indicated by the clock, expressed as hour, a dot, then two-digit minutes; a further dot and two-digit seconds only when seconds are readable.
2.24
